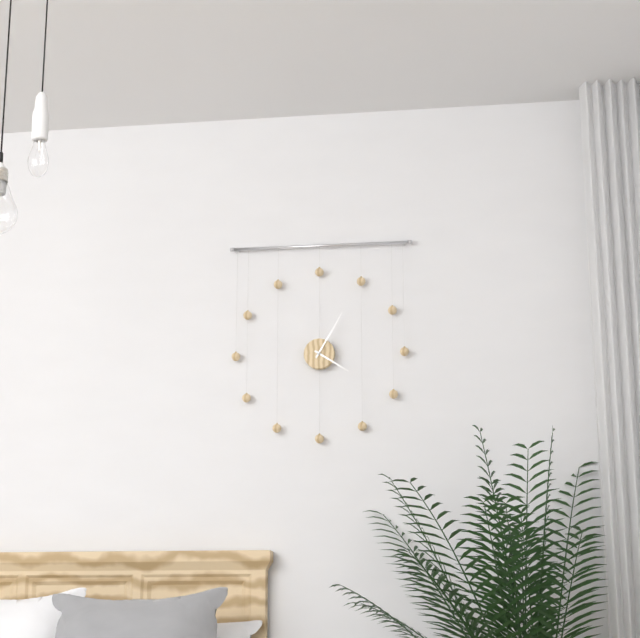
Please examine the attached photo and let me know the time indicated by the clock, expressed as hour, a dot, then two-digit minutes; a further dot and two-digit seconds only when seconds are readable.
4.05
